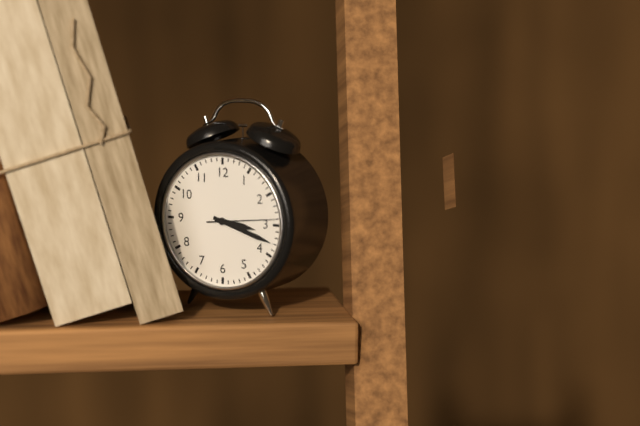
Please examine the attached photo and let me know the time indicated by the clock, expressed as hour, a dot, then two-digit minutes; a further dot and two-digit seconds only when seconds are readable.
3.18
